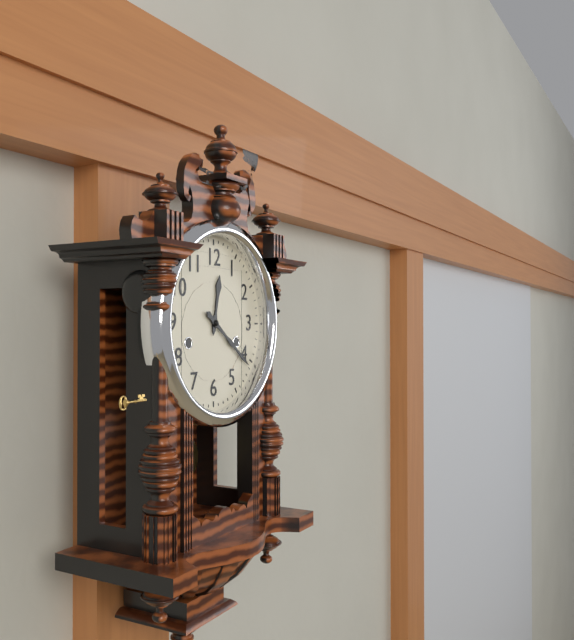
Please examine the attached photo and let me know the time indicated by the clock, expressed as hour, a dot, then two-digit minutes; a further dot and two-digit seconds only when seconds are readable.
12.21
